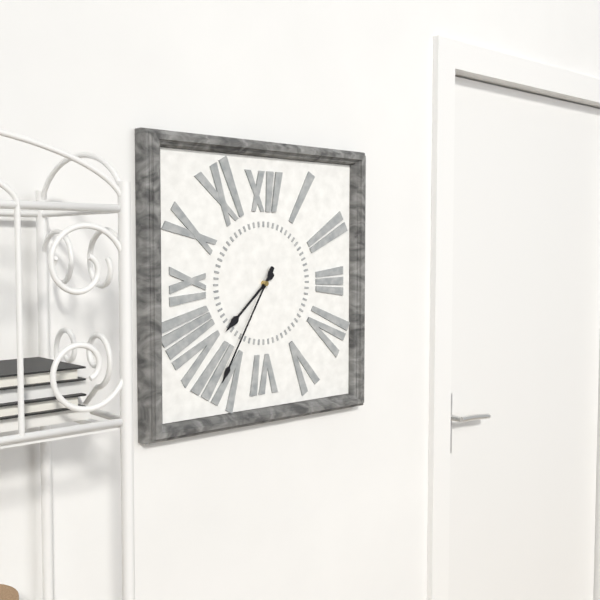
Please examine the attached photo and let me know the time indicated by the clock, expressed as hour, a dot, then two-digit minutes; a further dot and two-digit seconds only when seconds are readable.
7.35
